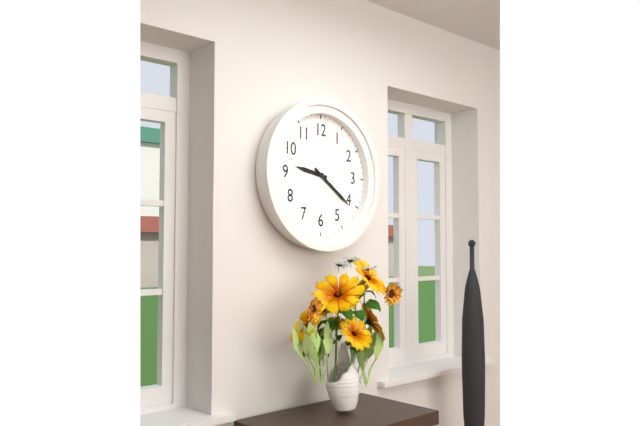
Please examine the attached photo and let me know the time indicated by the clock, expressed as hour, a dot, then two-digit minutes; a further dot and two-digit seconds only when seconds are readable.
9.21
